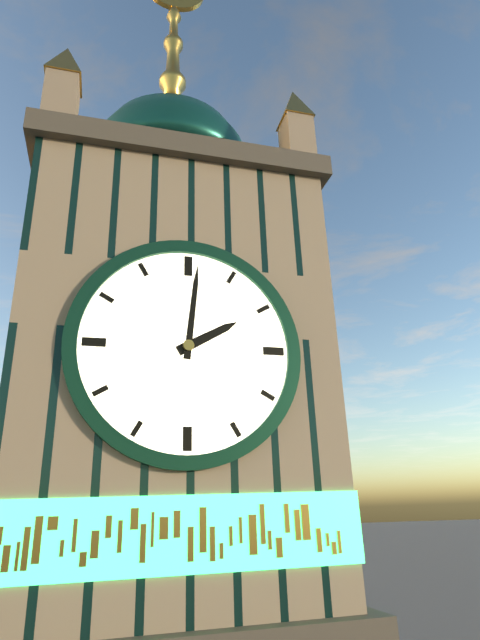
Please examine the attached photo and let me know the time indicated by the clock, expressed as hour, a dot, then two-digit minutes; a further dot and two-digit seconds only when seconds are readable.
2.01
